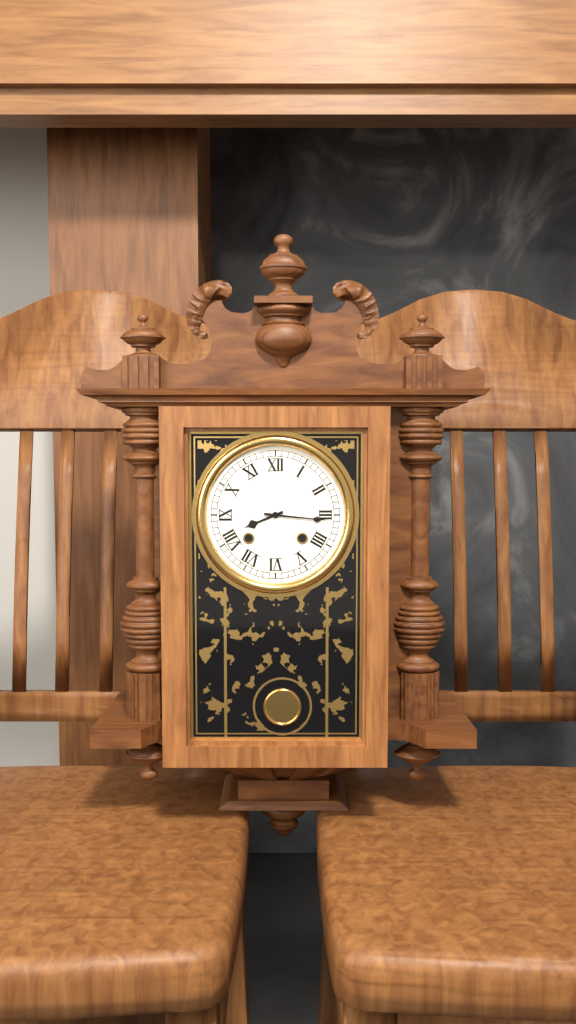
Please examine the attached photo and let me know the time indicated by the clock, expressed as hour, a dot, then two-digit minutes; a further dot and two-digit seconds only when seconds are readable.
8.16
